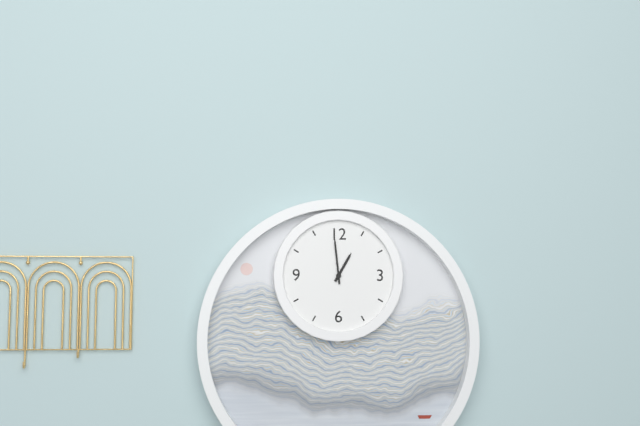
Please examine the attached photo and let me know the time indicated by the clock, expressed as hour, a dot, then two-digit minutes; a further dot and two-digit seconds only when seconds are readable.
12.59
